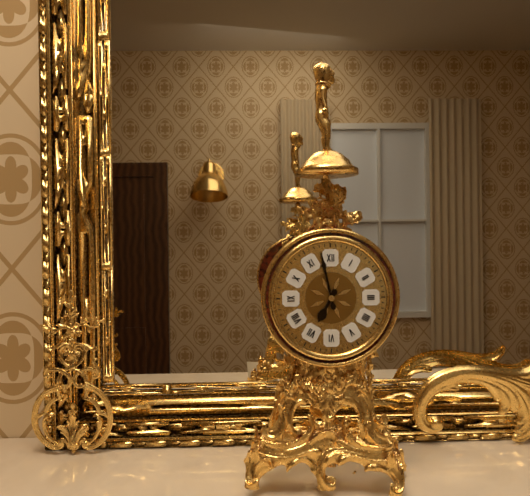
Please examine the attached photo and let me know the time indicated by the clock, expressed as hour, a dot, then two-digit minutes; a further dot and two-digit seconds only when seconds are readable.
6.58
